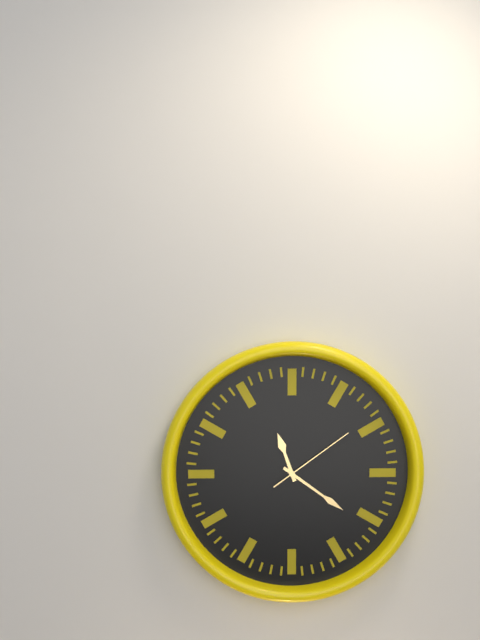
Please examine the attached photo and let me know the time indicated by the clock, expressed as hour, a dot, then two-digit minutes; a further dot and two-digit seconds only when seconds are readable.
11.21.09
